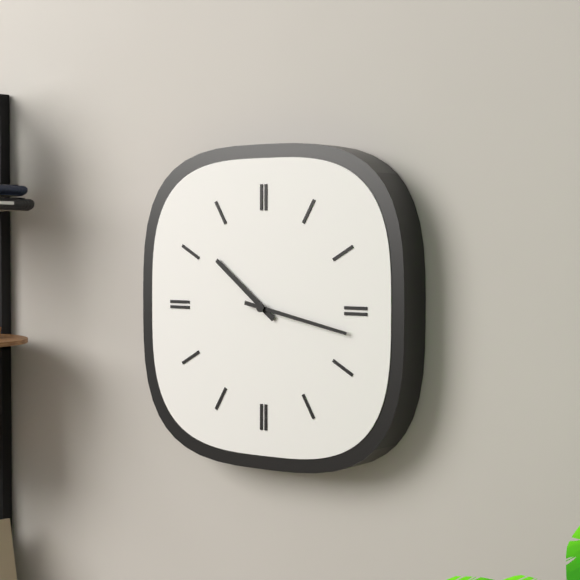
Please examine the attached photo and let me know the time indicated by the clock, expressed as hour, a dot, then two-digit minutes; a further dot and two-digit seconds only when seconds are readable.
10.17
